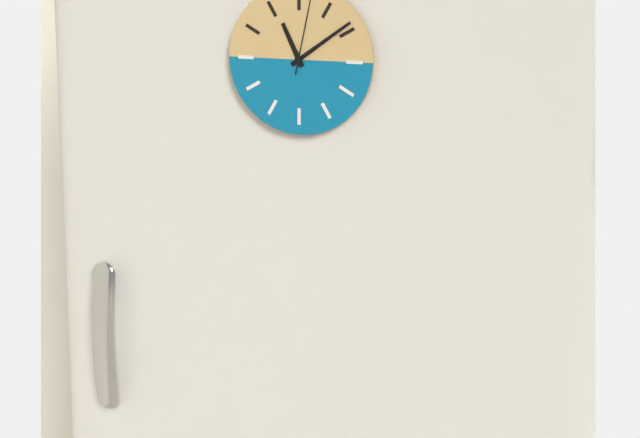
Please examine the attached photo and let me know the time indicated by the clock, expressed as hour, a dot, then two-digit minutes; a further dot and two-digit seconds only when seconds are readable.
11.09
